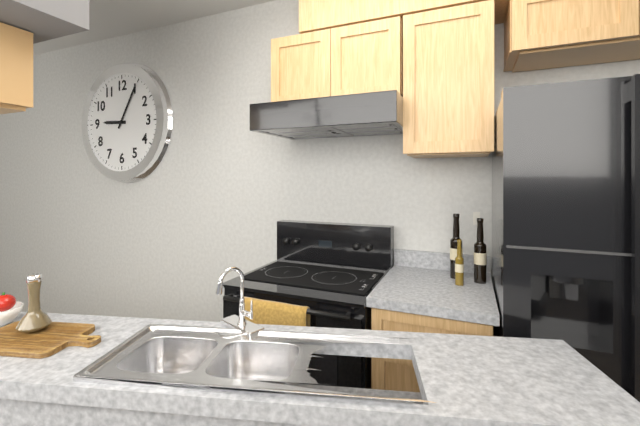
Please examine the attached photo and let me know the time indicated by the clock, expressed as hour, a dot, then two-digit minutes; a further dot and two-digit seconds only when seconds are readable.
9.05
